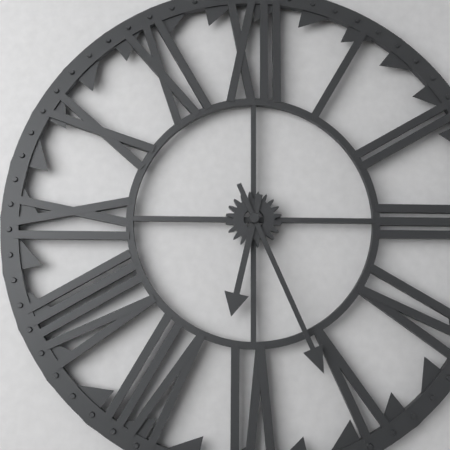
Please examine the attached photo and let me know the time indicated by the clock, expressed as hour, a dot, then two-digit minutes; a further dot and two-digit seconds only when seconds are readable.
6.26
